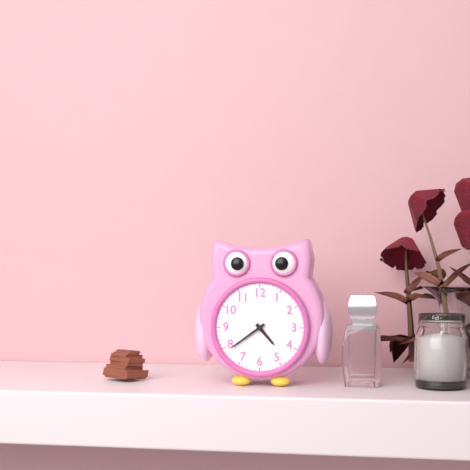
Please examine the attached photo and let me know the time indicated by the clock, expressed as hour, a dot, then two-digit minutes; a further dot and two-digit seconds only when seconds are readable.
4.39
